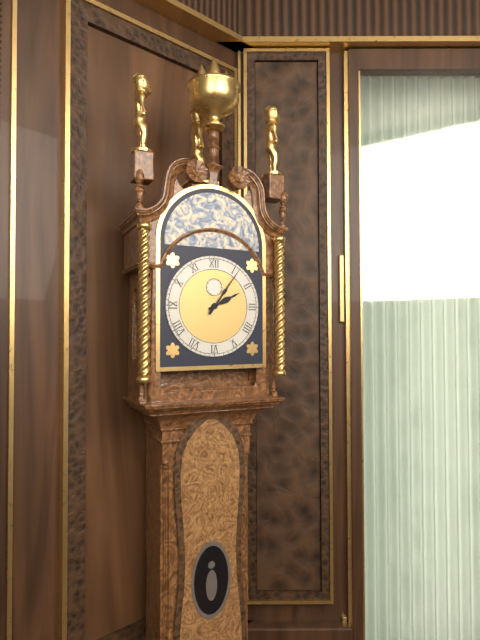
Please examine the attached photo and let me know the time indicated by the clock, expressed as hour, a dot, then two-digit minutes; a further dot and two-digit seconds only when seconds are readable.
2.06
